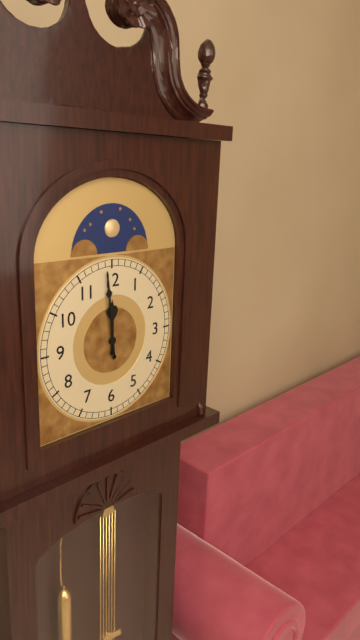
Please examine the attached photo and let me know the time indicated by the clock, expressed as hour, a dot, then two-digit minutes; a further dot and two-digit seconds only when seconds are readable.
11.59
